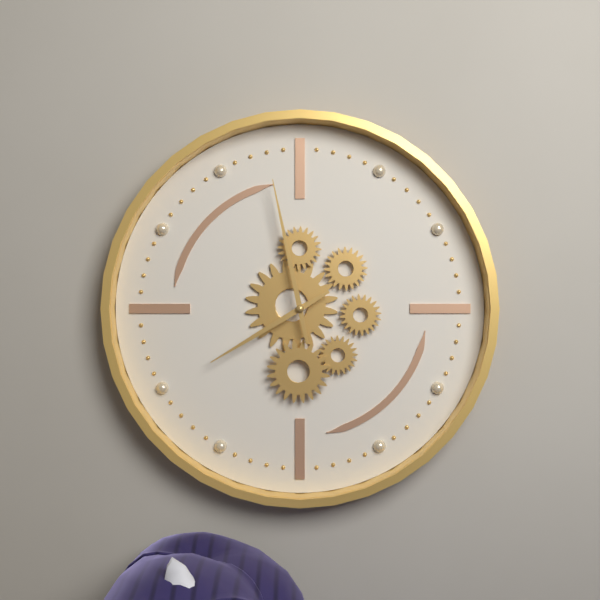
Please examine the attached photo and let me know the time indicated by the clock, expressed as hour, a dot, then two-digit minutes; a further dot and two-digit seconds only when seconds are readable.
7.58
